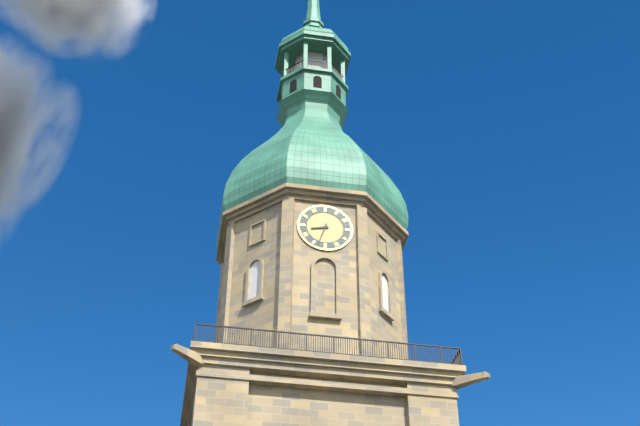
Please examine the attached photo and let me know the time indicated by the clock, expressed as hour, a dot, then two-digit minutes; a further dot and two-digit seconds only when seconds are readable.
8.33
